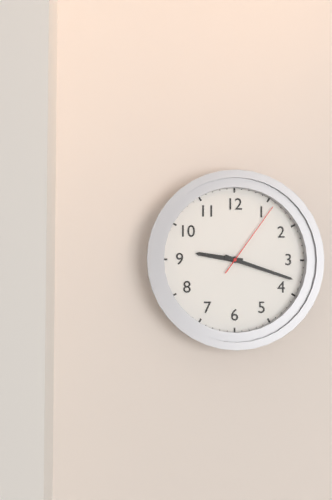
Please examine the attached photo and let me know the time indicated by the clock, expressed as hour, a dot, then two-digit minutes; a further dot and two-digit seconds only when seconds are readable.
9.18.06
